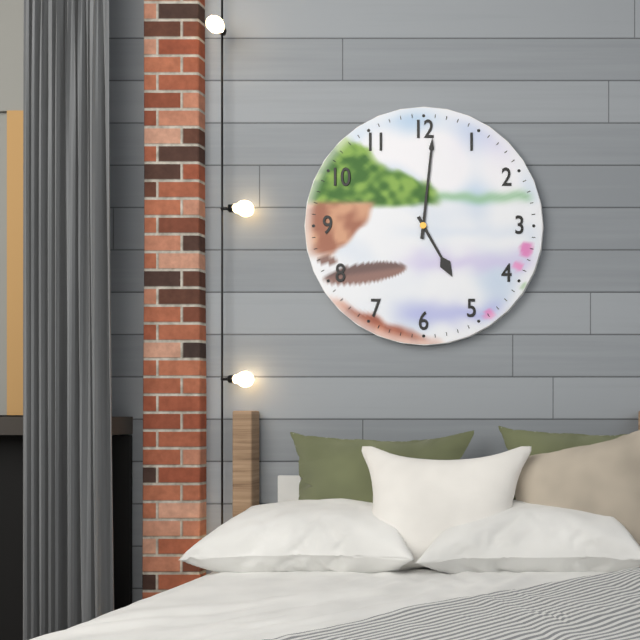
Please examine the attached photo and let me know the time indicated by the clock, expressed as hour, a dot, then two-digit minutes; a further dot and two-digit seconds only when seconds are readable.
5.01
